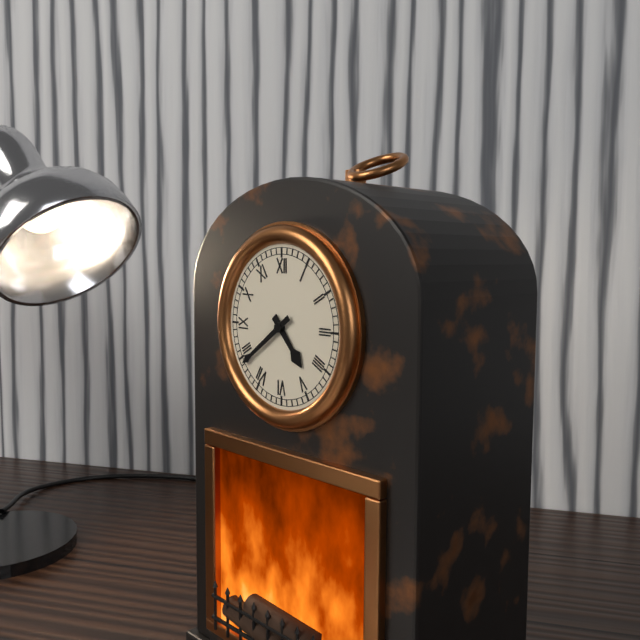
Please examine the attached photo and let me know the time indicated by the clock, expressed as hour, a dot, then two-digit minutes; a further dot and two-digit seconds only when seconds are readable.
4.39
